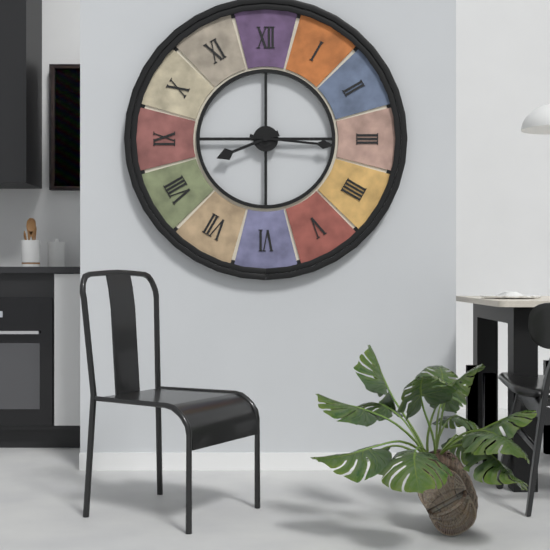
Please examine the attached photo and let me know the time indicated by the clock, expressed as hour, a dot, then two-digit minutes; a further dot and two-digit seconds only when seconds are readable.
8.16
